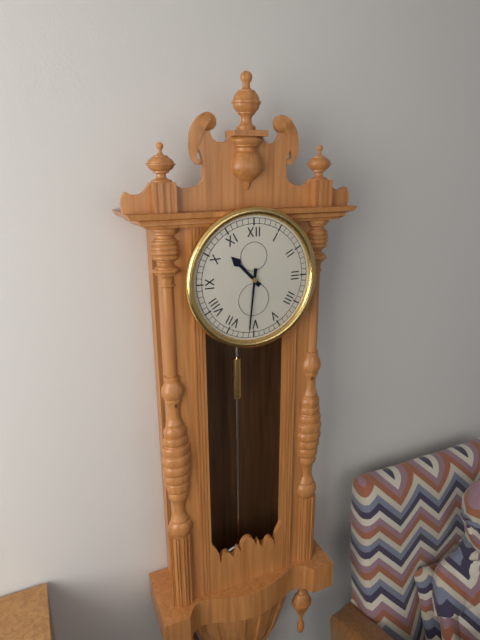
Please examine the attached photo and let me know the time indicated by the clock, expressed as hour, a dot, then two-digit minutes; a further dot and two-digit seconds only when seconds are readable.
10.31
